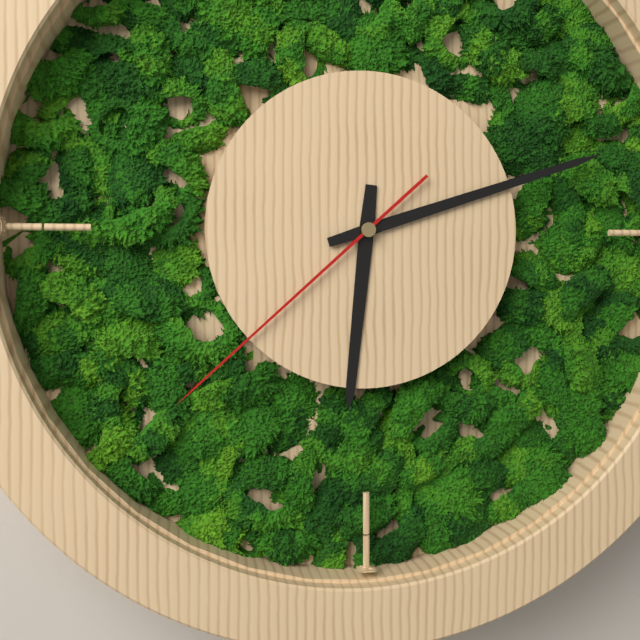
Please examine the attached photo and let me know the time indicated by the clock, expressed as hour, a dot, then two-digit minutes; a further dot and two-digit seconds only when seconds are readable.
6.12.38
